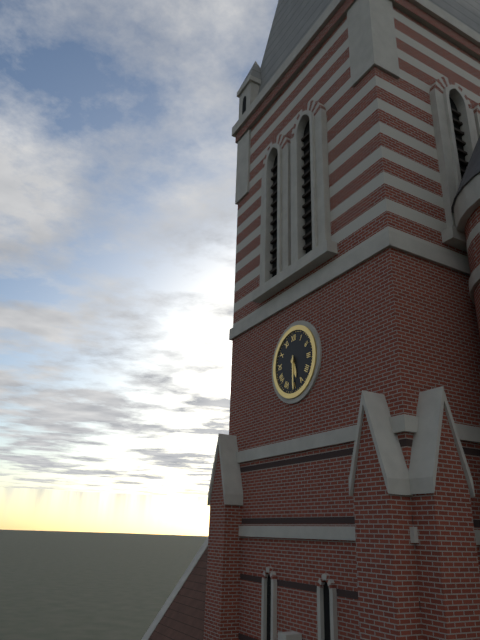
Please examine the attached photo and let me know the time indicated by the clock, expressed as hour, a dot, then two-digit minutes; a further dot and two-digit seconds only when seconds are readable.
5.30
